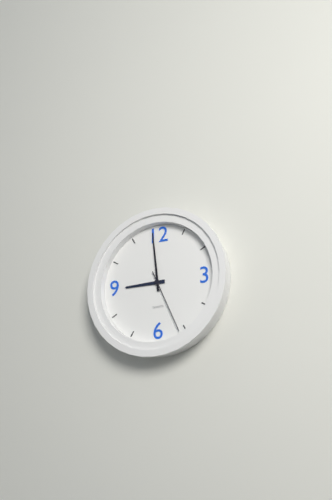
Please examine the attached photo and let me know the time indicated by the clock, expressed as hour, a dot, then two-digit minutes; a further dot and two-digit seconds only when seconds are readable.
8.59.26
